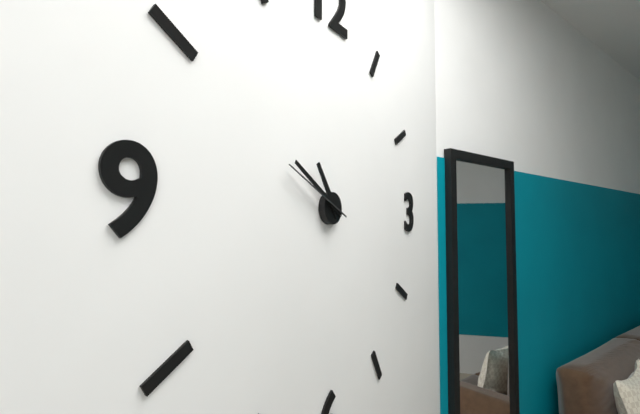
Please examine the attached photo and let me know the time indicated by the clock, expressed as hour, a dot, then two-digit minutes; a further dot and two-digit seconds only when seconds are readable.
10.50.49
